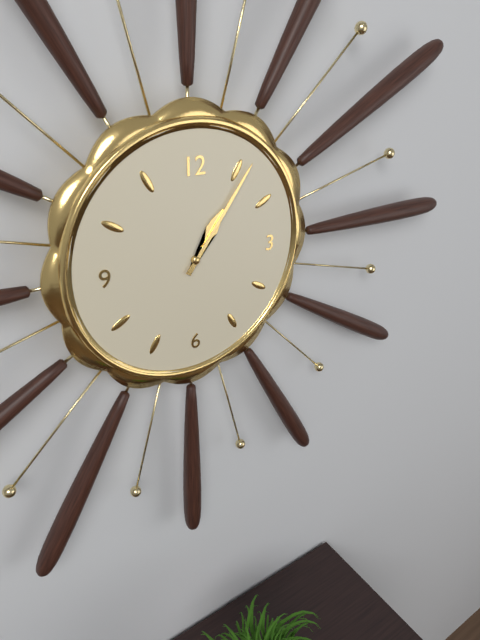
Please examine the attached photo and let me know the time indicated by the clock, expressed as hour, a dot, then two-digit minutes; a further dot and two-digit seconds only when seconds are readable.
1.06
